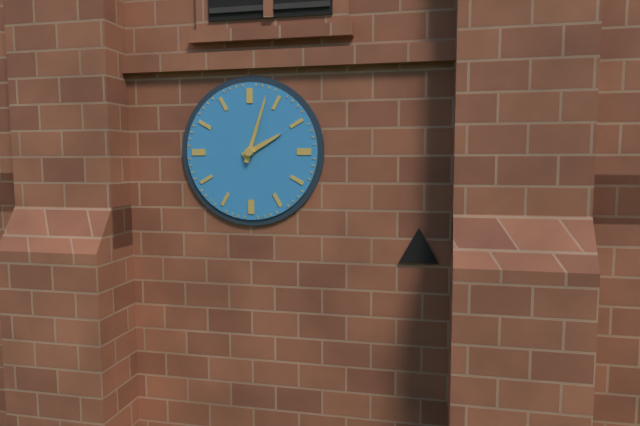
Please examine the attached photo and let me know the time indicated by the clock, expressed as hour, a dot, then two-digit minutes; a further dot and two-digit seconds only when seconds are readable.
2.03
